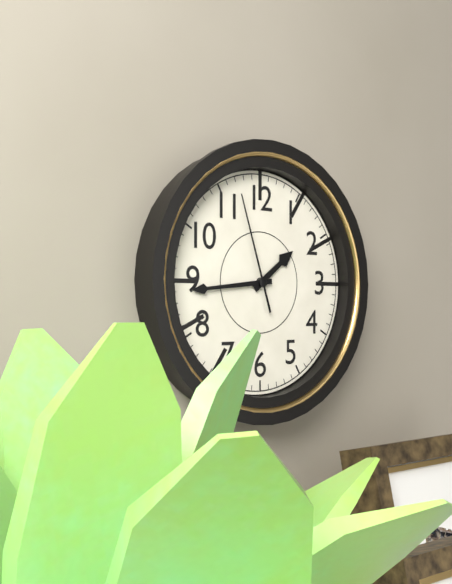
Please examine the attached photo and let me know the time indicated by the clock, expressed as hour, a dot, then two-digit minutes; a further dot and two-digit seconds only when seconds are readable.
1.44.57
